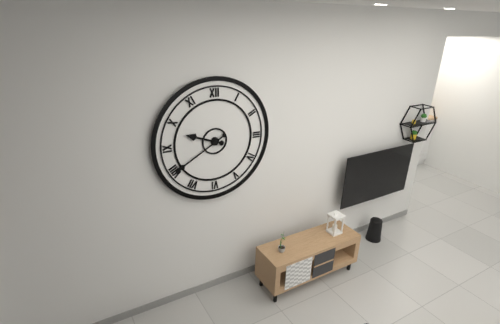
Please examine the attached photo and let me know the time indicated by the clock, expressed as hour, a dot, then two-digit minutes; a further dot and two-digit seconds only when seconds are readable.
9.40
